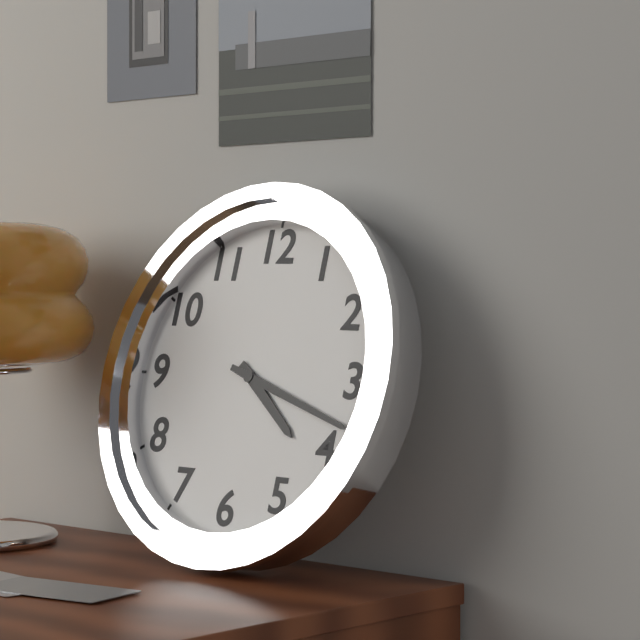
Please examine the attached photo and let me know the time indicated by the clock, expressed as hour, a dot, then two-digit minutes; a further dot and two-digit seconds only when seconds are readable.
4.18
